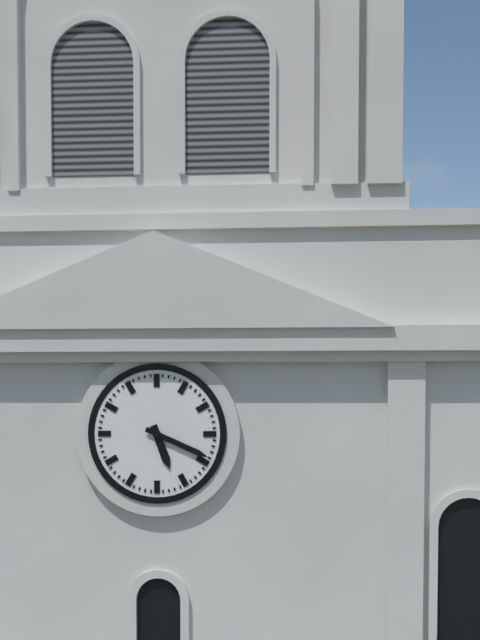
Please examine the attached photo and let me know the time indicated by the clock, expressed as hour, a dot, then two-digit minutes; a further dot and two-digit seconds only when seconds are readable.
5.19
